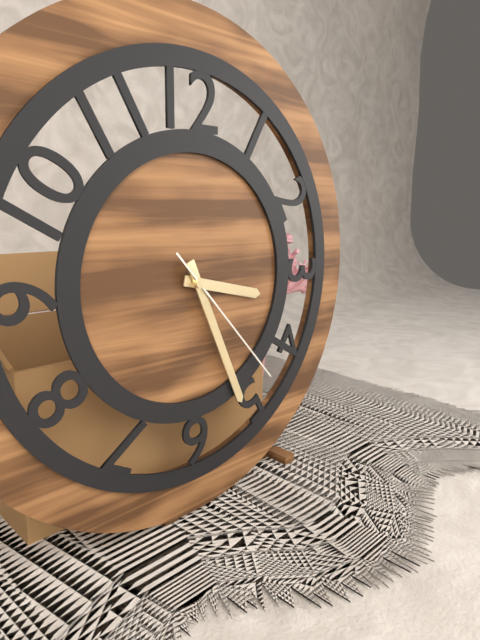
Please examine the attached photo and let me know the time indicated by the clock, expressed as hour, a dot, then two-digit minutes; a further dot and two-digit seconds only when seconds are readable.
3.26.23
